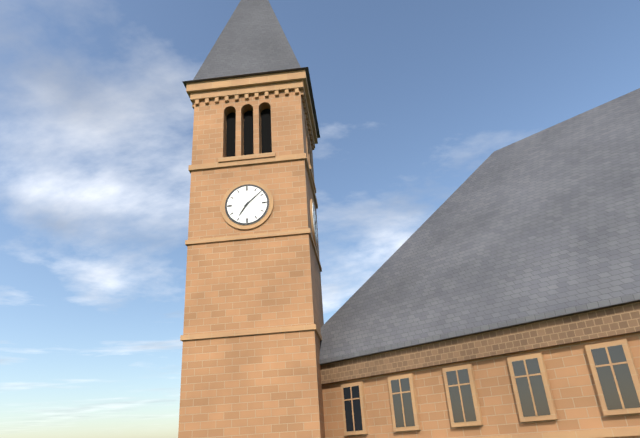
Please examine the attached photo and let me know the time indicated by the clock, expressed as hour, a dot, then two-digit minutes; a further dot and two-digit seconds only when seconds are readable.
7.08
